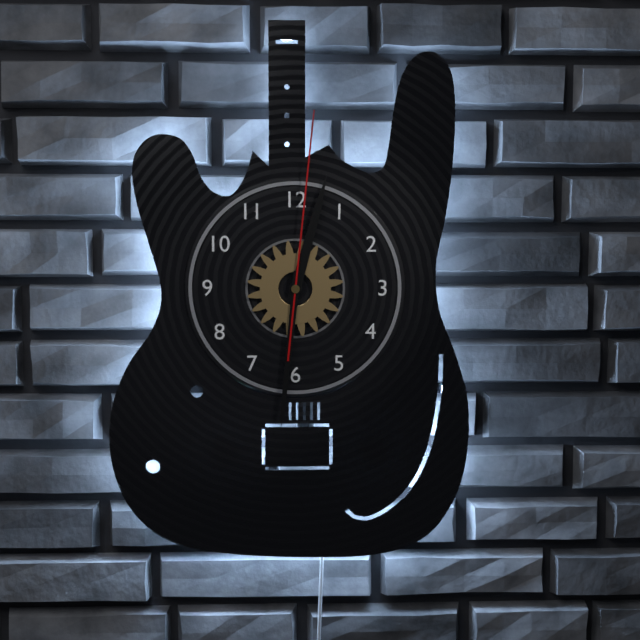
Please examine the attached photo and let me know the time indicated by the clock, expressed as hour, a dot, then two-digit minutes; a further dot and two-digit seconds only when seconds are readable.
12.31.01
